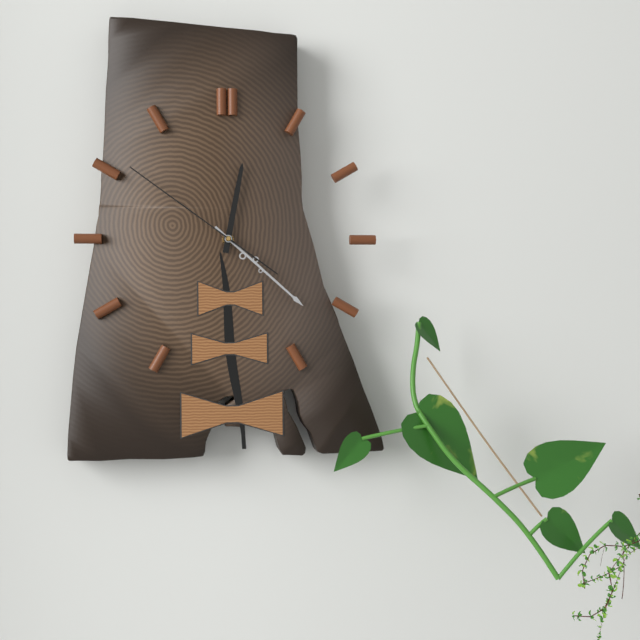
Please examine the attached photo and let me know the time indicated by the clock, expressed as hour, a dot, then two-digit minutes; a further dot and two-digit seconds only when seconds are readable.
12.22.51
